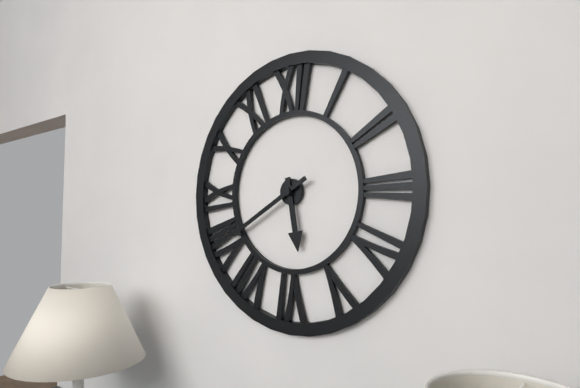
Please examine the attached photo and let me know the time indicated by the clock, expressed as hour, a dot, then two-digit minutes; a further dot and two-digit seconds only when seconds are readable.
5.40
